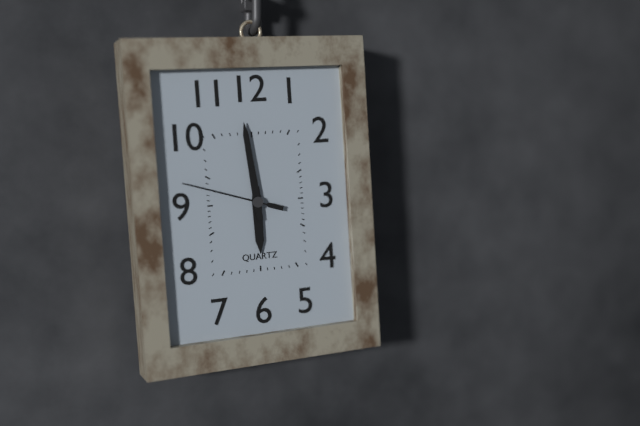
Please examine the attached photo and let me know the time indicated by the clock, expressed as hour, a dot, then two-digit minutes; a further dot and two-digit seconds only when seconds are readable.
5.59.48
